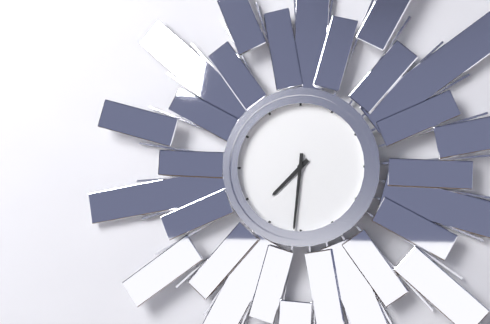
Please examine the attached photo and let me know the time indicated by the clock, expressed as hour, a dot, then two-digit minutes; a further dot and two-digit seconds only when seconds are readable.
7.31
